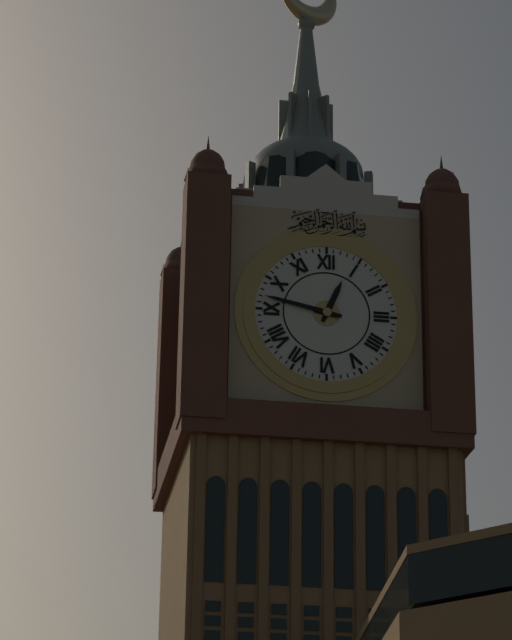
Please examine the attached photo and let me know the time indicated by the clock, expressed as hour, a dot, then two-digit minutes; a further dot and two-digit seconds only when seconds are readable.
12.47
